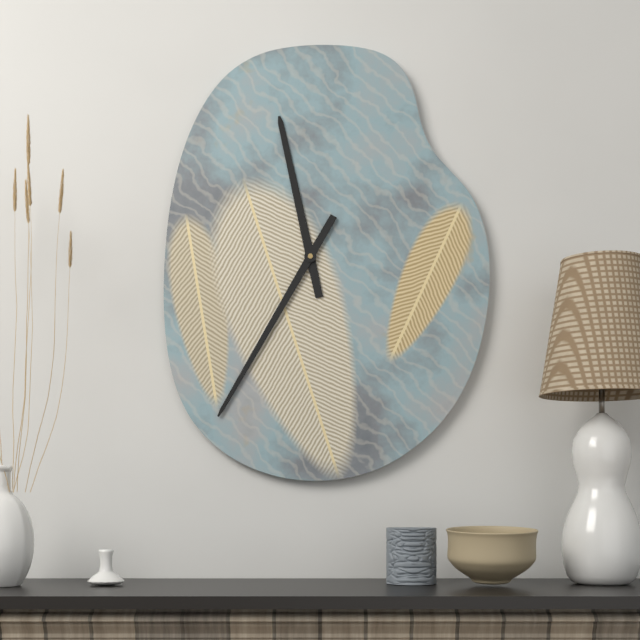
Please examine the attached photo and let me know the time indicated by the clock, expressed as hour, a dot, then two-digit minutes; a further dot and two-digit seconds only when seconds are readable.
11.35
